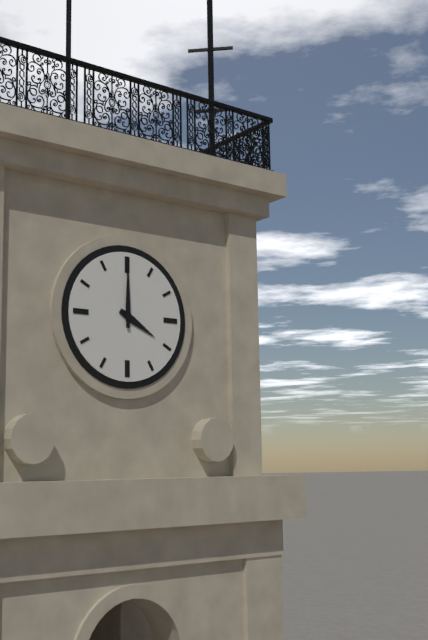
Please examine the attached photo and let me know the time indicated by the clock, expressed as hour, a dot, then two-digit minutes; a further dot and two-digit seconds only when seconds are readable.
4.00
